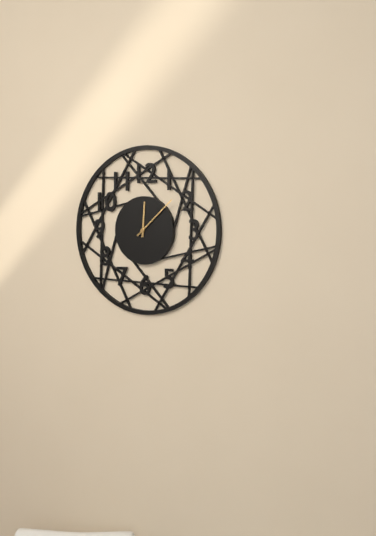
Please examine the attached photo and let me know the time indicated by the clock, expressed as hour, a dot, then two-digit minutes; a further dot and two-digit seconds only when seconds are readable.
12.08
